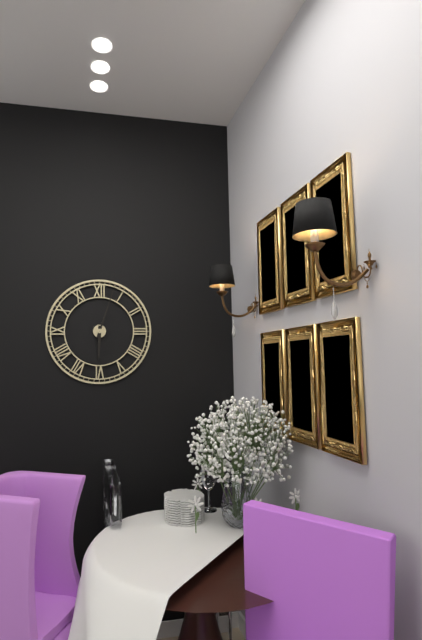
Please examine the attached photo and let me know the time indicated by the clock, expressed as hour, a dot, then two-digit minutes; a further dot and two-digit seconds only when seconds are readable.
6.03
